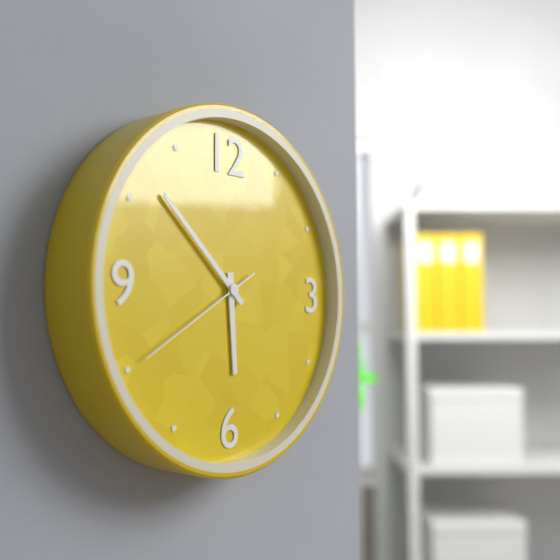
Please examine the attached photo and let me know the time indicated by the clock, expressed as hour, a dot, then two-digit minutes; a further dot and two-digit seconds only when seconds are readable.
5.52.40
